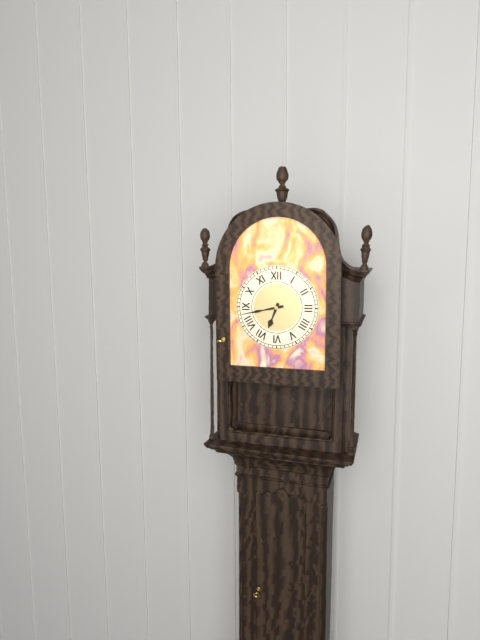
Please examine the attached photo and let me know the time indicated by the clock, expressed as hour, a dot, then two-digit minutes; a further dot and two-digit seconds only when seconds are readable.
6.43
